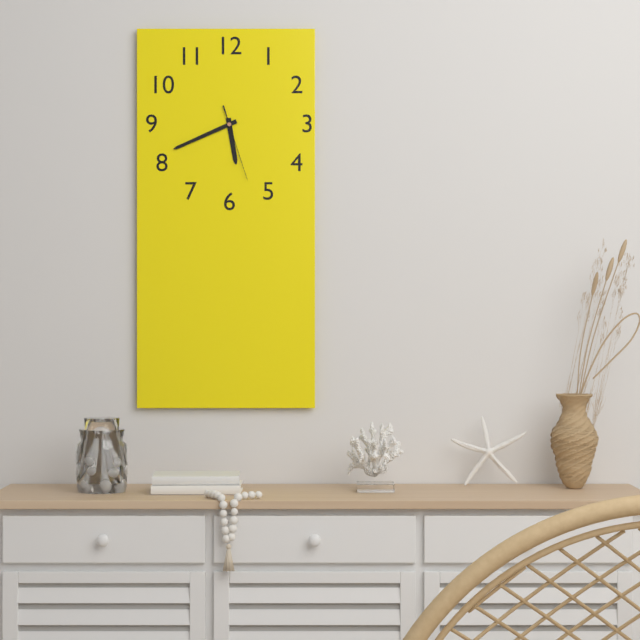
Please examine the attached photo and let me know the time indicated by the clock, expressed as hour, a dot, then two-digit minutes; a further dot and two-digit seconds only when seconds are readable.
5.41.27
